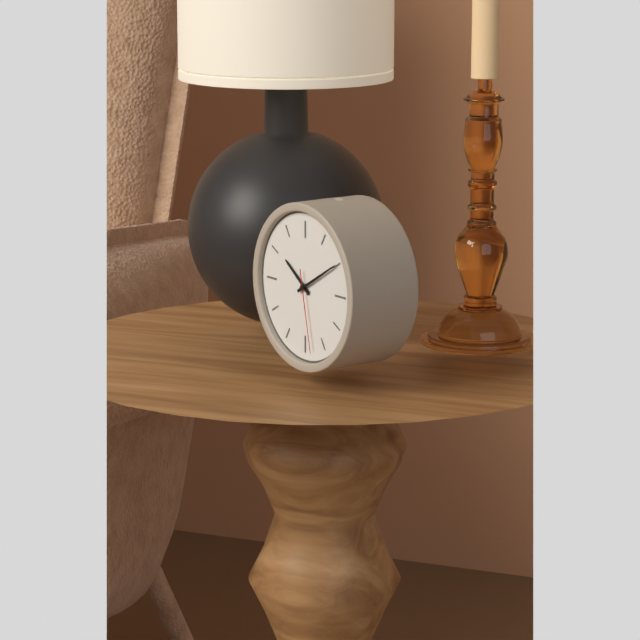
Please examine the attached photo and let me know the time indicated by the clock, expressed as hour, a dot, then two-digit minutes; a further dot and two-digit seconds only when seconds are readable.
10.10.28
